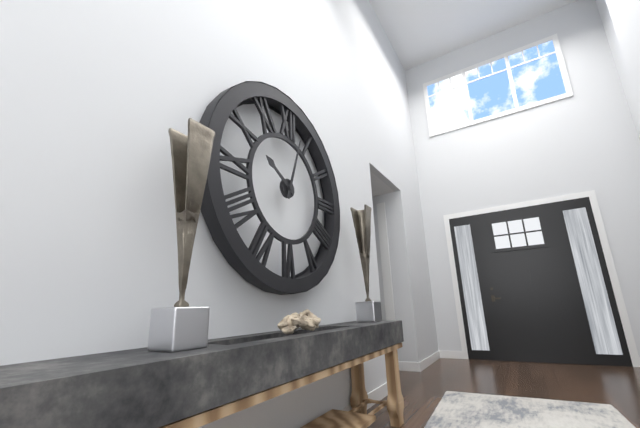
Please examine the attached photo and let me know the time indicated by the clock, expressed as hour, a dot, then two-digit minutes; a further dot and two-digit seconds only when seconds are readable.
10.03
